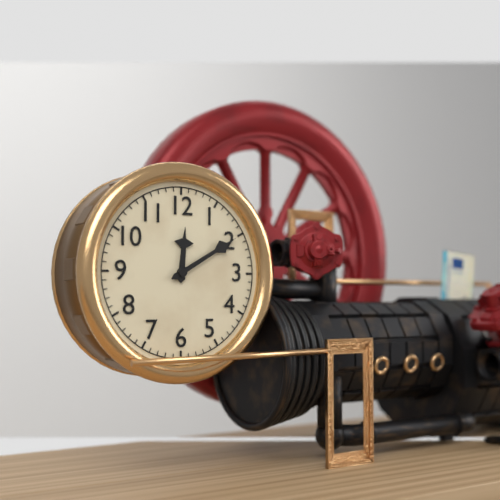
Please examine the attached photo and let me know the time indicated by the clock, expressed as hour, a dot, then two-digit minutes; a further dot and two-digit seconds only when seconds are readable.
12.10
